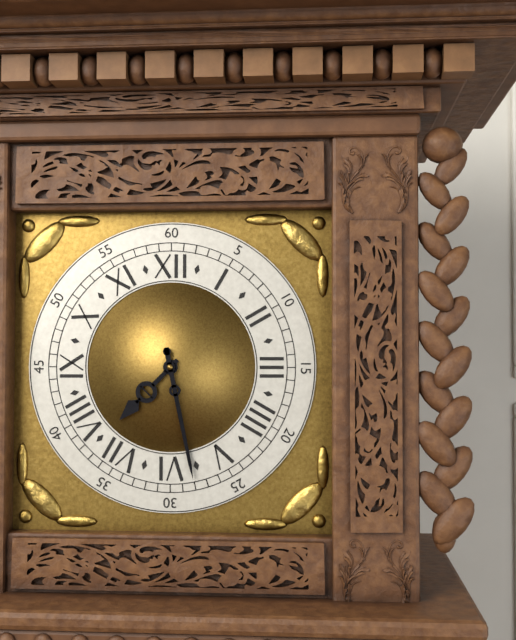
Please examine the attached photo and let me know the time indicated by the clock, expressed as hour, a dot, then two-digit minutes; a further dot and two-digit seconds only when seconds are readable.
7.28
